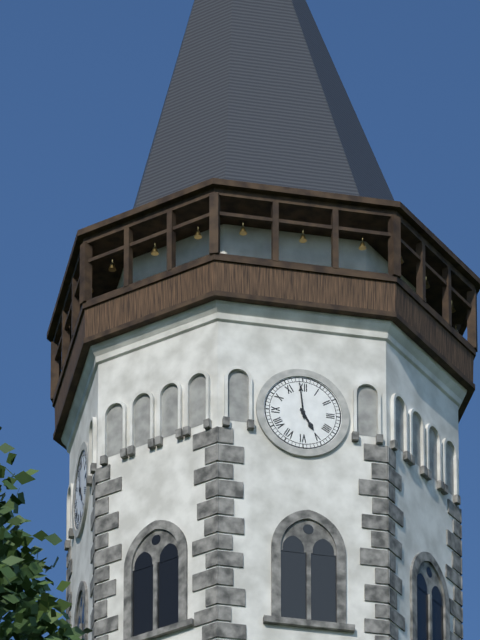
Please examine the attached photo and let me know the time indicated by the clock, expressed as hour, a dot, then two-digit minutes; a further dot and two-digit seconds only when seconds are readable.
4.59
